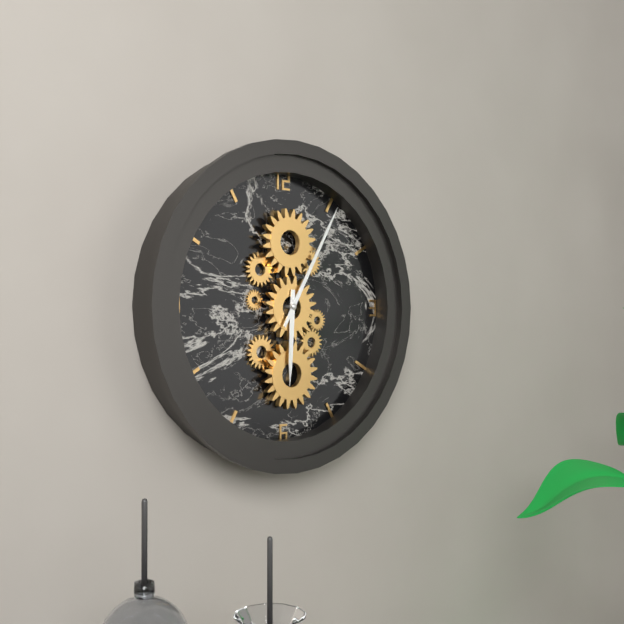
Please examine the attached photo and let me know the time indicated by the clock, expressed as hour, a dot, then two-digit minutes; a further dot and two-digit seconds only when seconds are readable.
6.05
